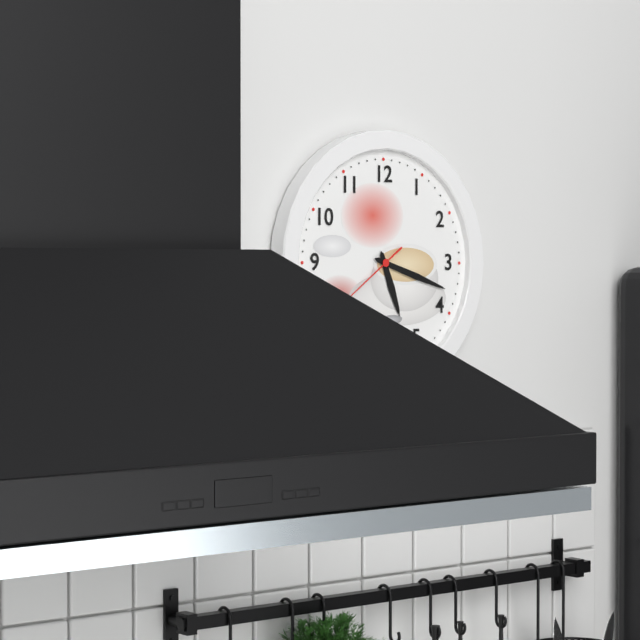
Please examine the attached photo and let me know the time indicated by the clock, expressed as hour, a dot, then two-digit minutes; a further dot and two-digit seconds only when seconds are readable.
5.18
